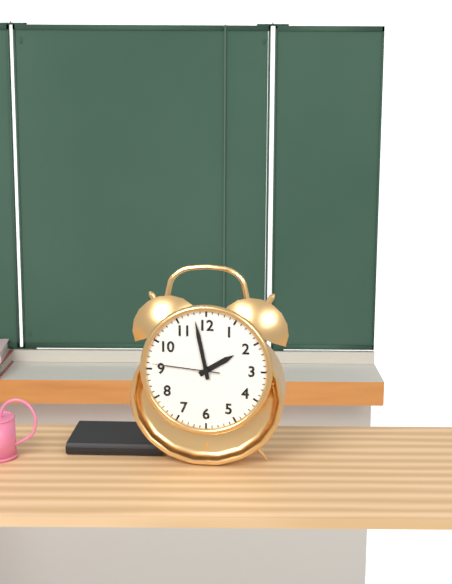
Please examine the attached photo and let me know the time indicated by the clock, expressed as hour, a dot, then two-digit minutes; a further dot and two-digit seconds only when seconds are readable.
1.58.46
